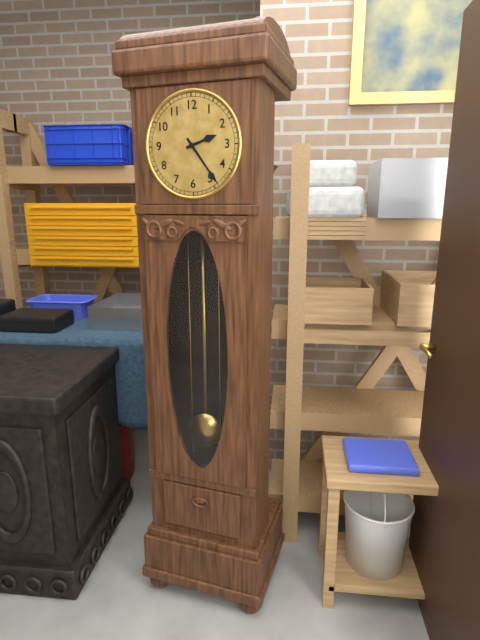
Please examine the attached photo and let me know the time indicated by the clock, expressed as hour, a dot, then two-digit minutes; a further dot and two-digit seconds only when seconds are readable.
2.24
